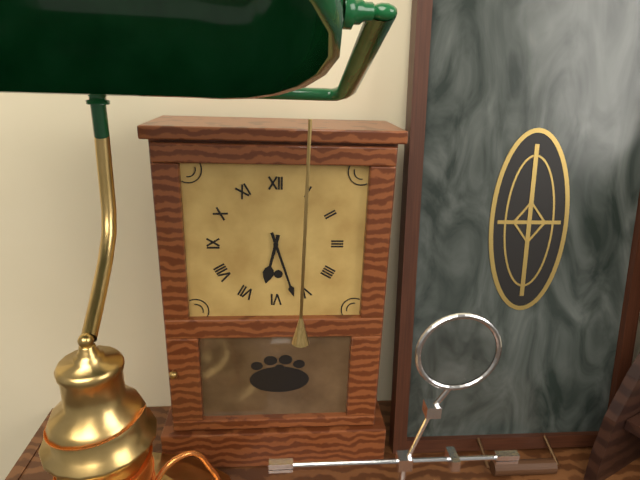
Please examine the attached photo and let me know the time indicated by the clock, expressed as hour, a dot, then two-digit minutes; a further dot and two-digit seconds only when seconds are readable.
6.27
